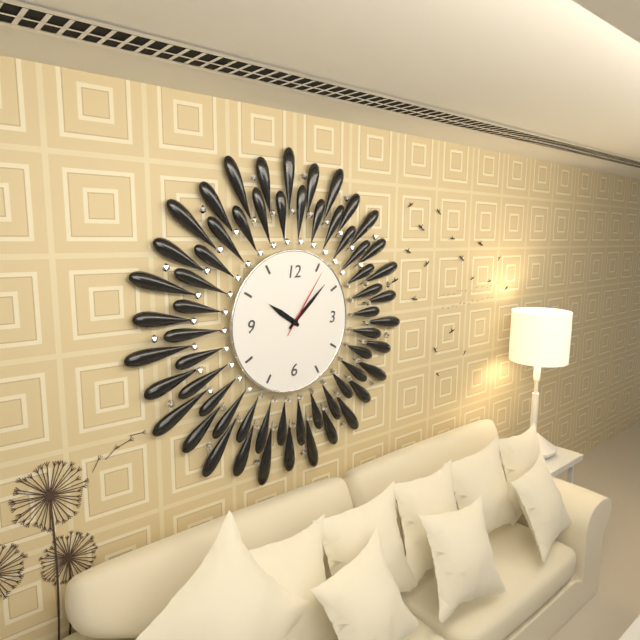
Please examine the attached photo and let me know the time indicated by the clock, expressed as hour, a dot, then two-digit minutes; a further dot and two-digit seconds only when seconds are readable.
10.08.06
